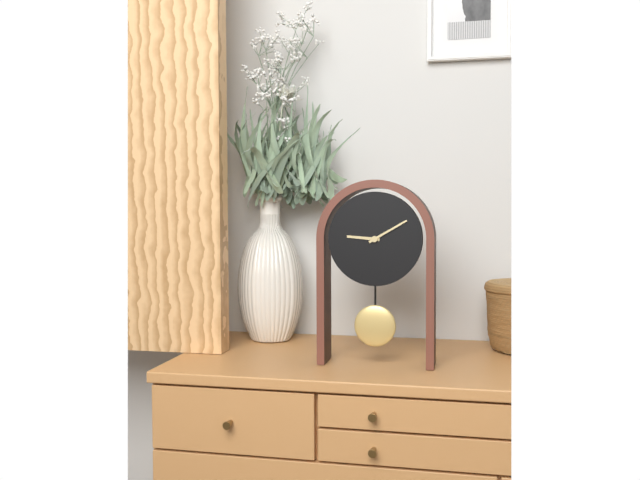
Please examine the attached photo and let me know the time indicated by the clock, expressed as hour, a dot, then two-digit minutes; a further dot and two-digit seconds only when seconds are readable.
9.10
